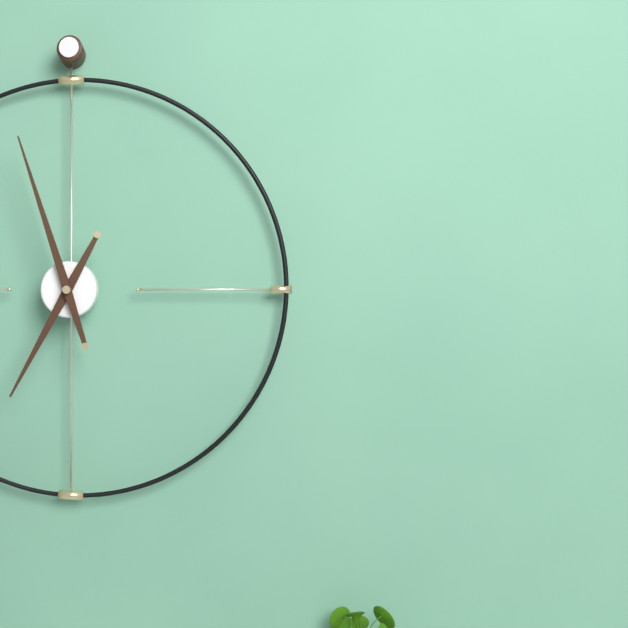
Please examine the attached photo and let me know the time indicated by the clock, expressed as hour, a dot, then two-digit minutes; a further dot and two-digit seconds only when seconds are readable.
6.57
